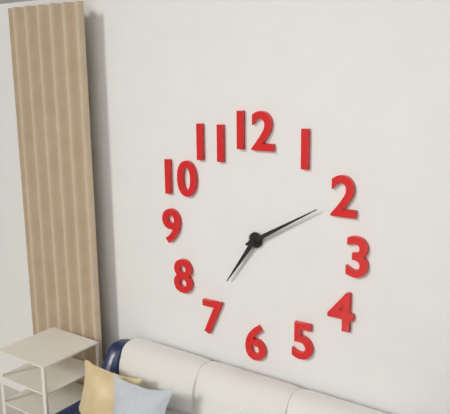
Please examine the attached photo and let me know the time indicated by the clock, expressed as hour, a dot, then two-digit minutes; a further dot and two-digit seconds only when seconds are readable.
7.10
